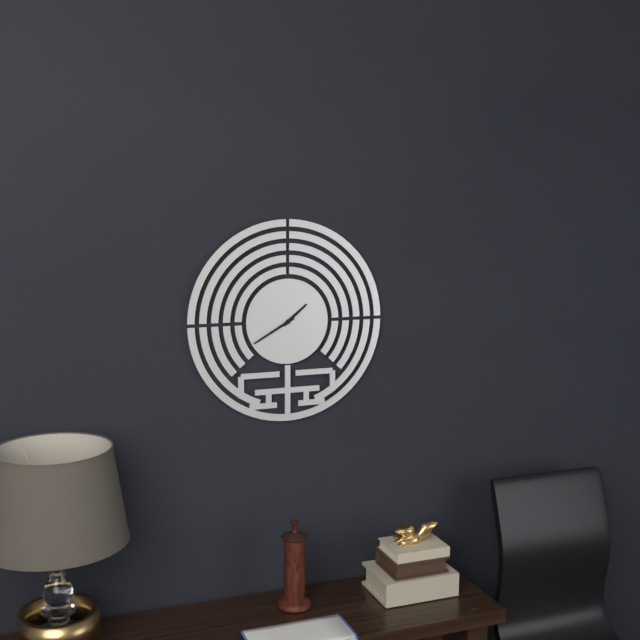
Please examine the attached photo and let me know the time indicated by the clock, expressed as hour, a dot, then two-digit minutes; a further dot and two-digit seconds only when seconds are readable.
1.40
